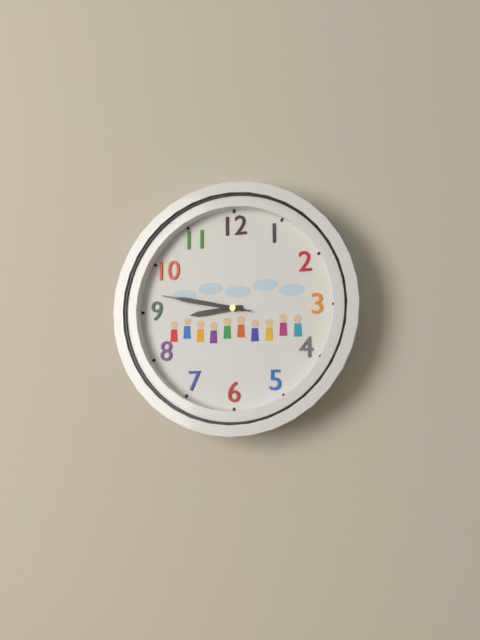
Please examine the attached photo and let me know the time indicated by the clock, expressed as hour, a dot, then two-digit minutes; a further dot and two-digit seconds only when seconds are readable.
8.47.47
